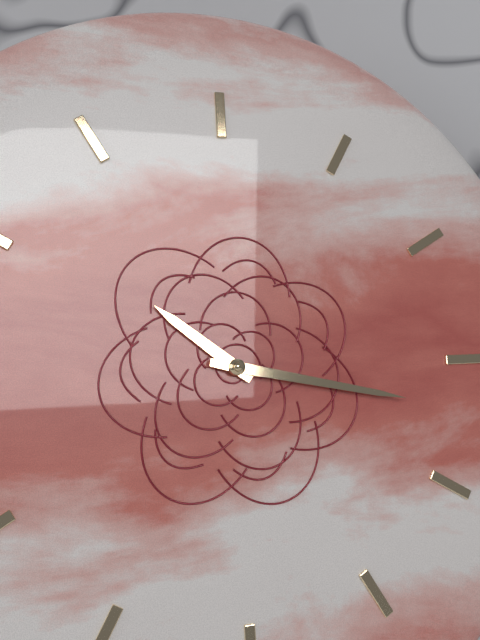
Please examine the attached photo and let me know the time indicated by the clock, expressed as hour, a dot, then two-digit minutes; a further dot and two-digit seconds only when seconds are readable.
10.17
